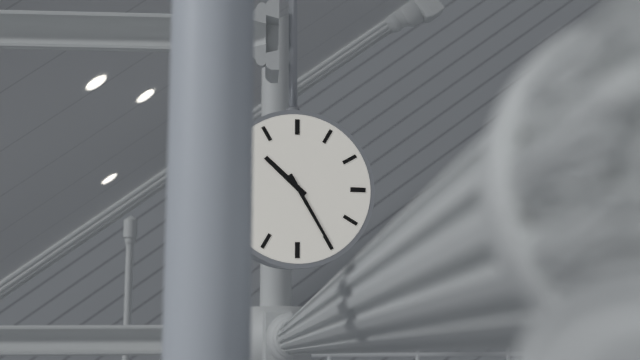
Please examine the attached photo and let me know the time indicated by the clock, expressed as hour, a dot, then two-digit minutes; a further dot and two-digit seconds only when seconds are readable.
10.25
